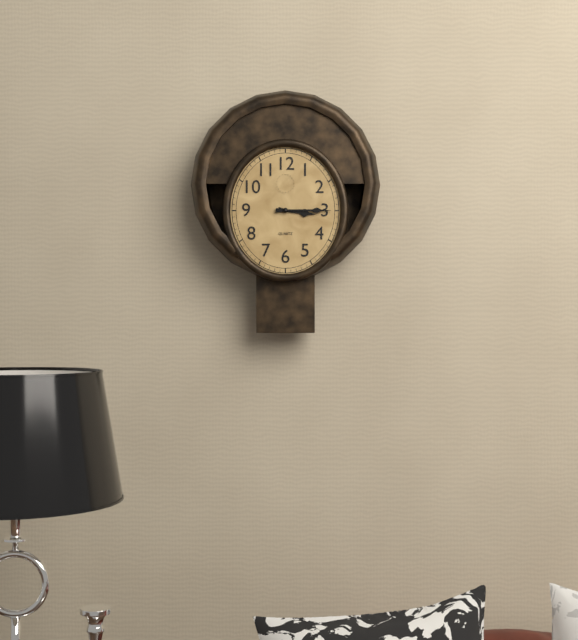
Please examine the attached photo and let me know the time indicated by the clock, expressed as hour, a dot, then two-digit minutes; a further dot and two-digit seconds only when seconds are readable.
3.15
